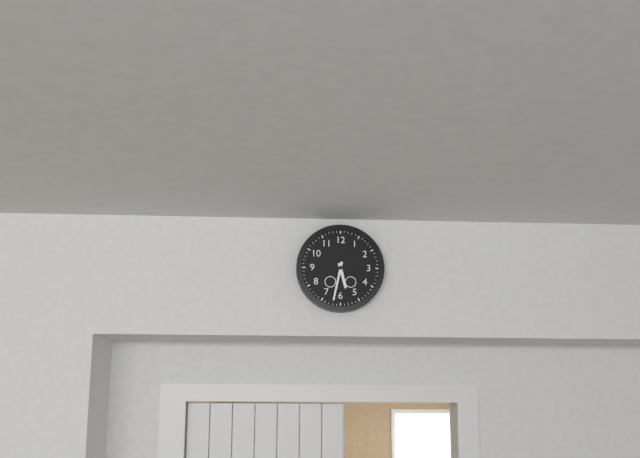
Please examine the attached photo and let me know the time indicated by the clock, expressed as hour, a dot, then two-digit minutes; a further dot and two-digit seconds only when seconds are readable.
5.32
